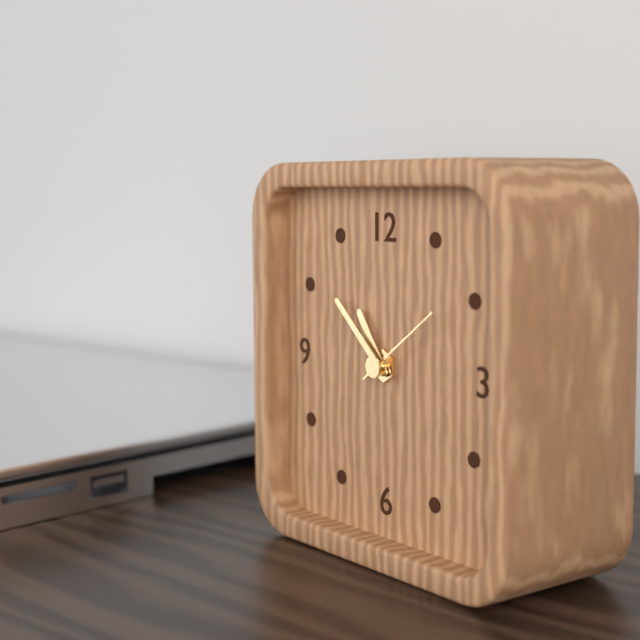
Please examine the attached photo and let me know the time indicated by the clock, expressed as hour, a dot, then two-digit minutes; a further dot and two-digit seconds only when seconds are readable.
10.52.09
